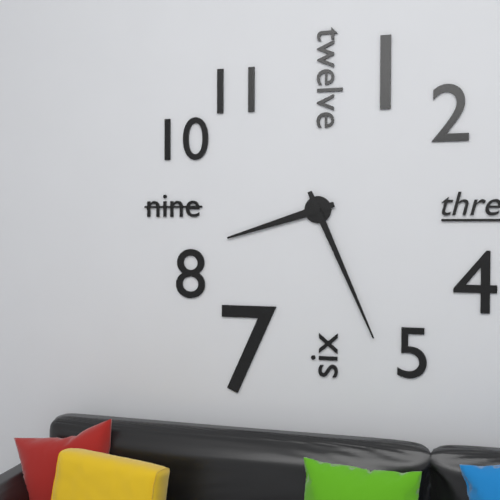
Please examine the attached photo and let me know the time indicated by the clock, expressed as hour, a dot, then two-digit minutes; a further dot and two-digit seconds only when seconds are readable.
8.26
